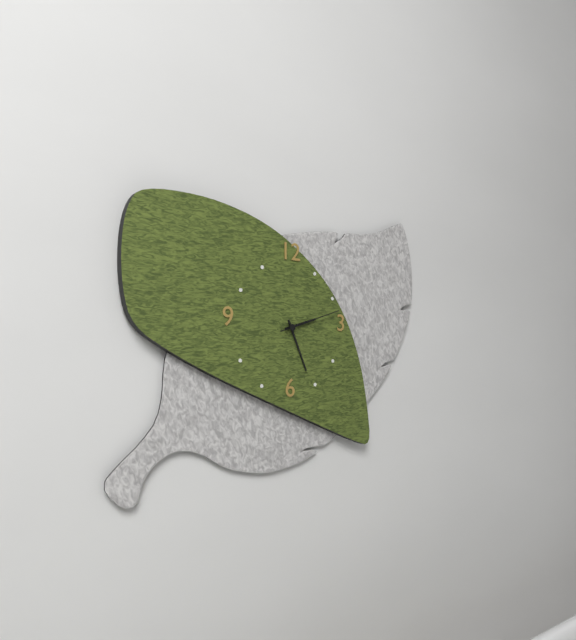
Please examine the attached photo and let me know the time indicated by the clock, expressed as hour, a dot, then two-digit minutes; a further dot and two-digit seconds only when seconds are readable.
2.26.12
